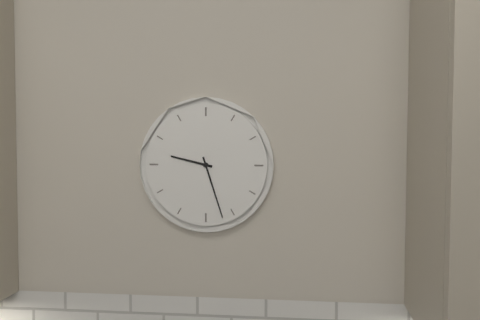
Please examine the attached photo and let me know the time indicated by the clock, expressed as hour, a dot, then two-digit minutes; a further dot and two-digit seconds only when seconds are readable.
9.27
